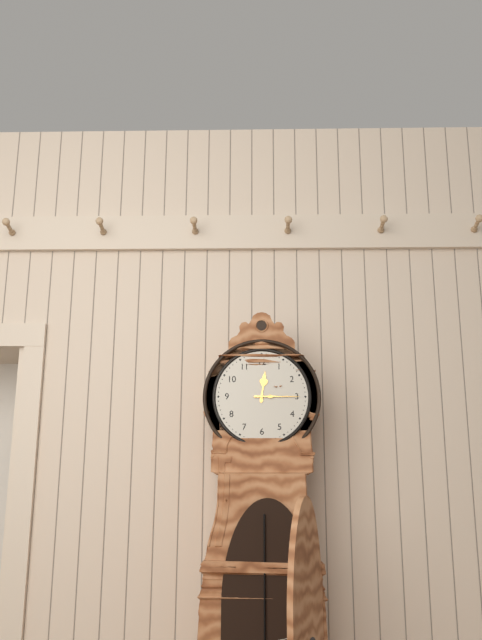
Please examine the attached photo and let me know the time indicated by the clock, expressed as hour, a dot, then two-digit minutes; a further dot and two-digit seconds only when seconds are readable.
12.15
